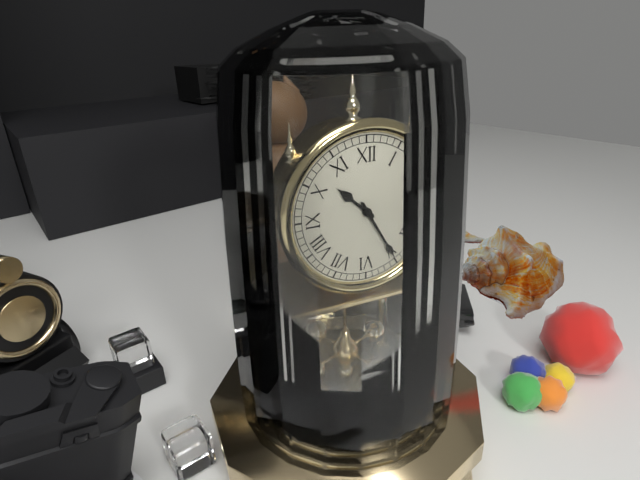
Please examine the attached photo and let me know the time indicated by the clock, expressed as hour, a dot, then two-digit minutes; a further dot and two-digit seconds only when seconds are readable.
10.25
